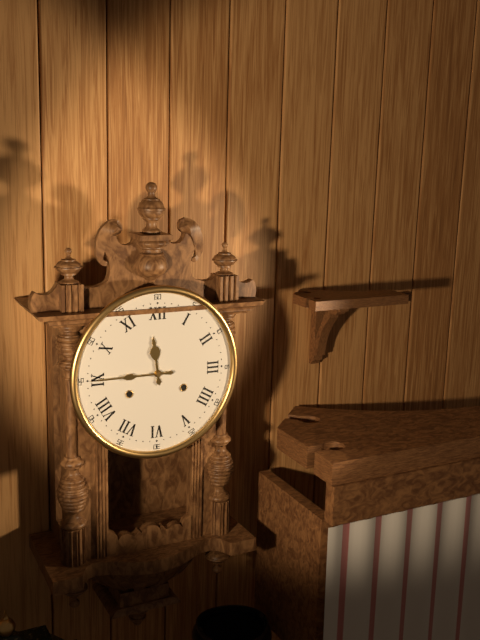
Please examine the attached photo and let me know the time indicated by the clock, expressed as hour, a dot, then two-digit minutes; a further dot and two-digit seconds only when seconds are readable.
11.45
